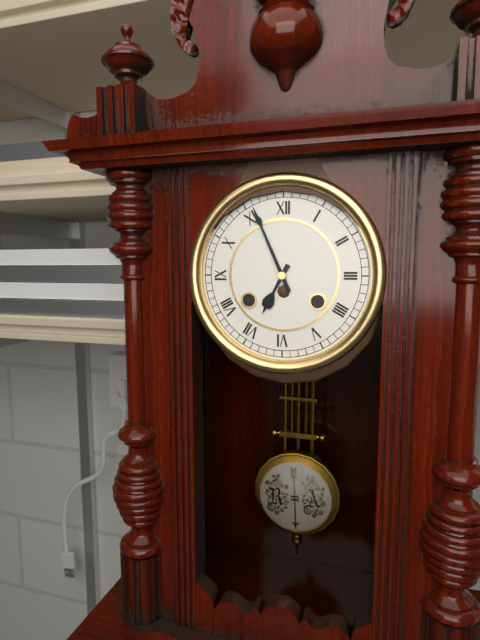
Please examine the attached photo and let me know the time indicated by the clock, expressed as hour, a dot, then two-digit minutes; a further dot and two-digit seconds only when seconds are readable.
6.56
